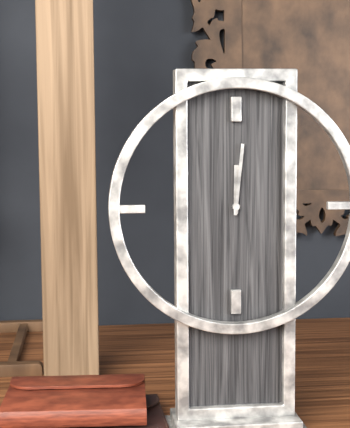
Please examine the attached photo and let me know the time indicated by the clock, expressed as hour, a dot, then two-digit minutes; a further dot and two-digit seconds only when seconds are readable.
12.01
